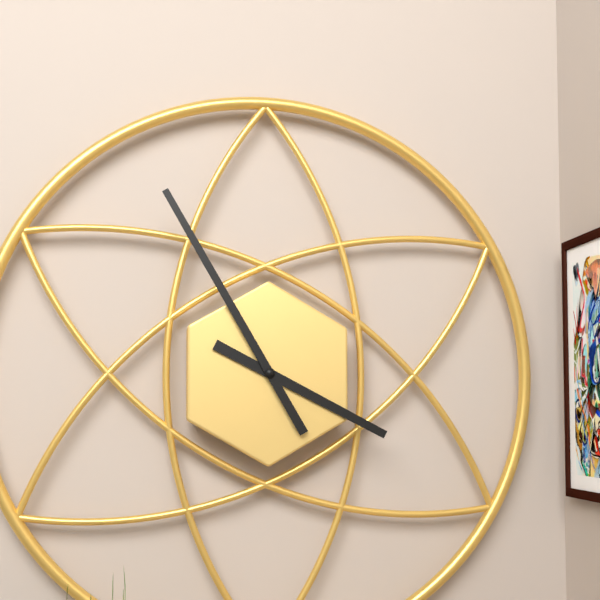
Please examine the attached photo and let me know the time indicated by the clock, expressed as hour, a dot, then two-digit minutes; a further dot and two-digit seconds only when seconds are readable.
3.55
